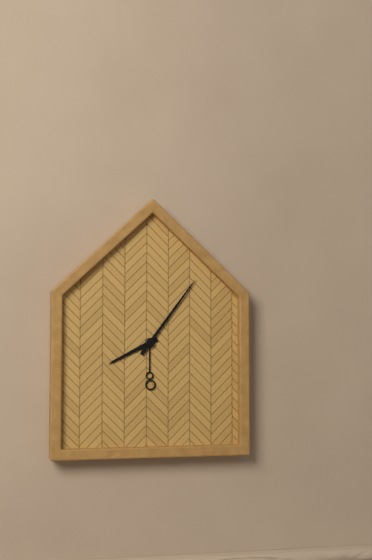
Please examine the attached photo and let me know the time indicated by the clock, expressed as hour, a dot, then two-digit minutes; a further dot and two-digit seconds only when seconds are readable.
8.06
